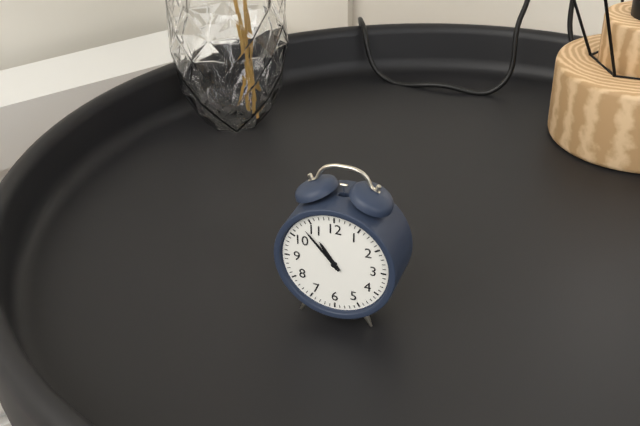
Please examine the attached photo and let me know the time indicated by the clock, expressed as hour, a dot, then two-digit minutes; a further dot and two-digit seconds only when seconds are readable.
10.53
